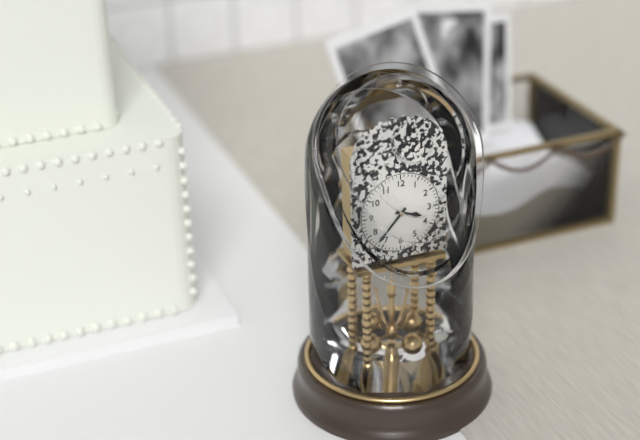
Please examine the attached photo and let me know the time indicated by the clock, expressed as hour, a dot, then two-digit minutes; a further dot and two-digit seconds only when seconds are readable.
3.37
